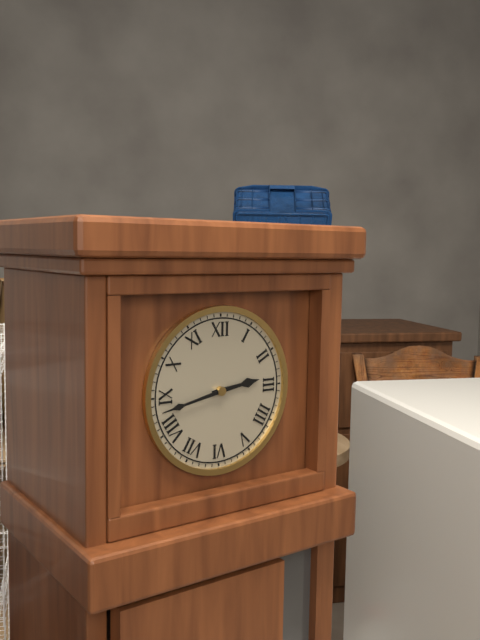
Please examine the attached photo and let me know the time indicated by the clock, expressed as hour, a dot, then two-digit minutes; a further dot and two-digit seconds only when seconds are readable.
2.43
